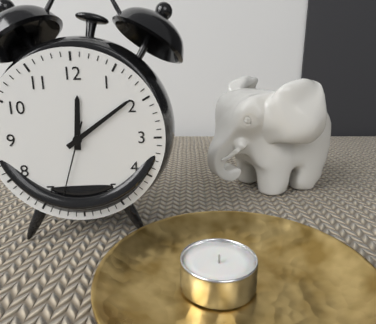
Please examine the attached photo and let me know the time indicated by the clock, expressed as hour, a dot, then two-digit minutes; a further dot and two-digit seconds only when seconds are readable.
12.09.33
